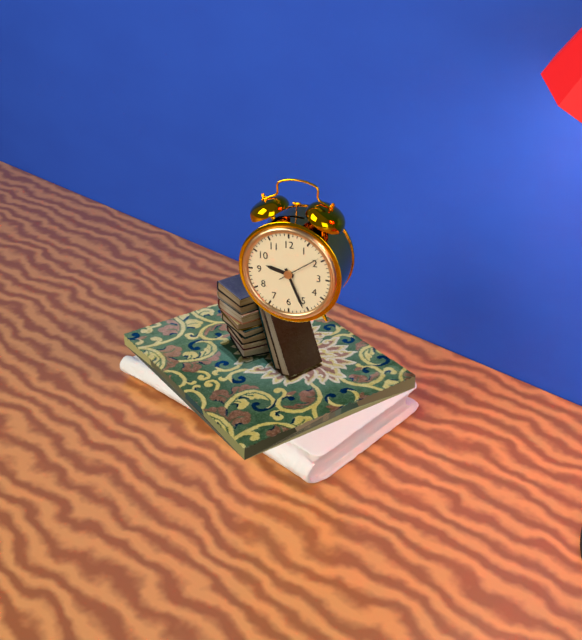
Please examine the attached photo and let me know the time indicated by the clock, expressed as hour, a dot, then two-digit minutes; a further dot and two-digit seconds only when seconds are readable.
9.26
